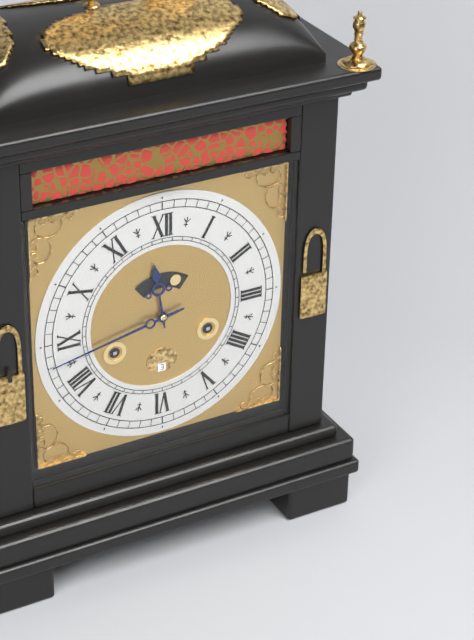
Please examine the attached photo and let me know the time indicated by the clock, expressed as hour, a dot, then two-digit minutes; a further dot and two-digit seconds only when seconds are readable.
11.43
